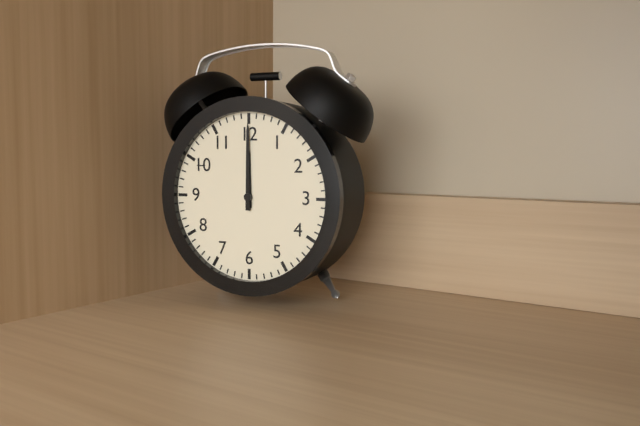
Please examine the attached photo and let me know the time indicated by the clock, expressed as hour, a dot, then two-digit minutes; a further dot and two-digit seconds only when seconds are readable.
12.00
